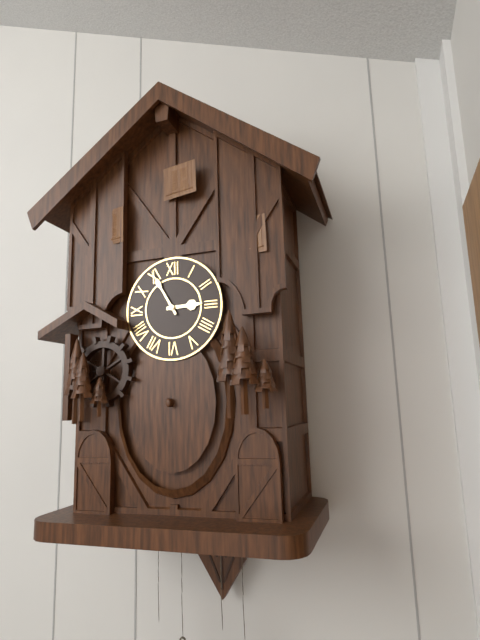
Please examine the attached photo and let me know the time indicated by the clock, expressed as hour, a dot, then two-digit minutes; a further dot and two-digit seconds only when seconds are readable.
2.55
